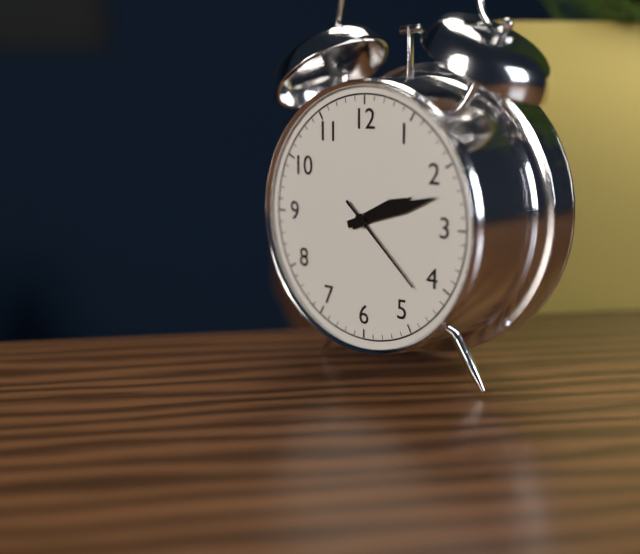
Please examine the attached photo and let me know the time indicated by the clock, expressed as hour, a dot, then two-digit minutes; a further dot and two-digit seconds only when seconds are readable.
2.12.22
